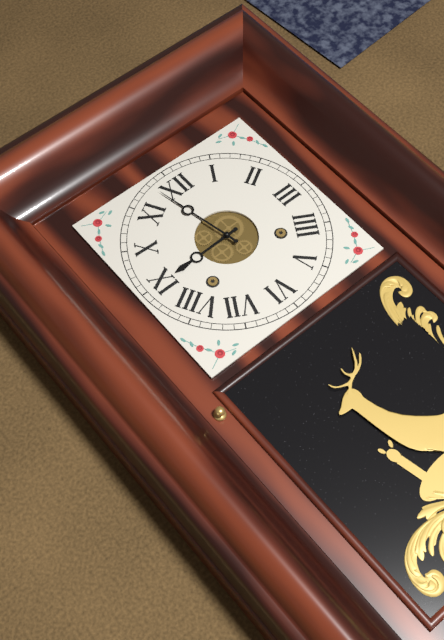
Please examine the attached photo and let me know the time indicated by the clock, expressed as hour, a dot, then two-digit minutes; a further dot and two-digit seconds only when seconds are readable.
8.58
